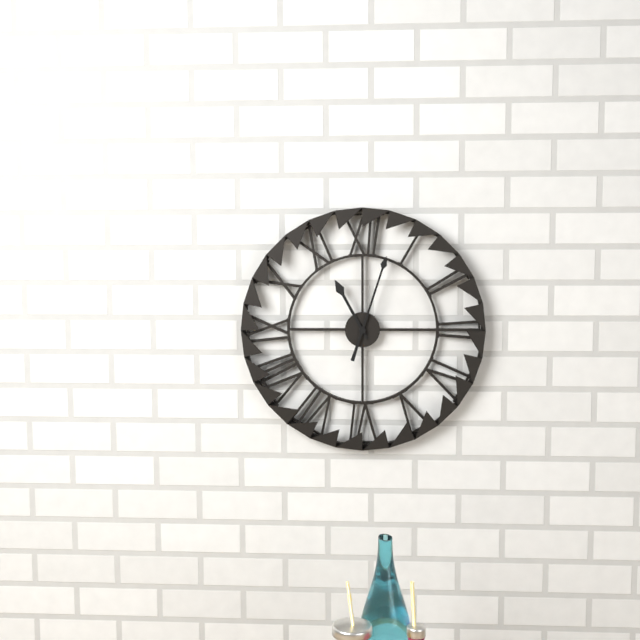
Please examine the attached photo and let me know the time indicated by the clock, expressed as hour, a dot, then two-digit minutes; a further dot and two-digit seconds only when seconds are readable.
11.03
